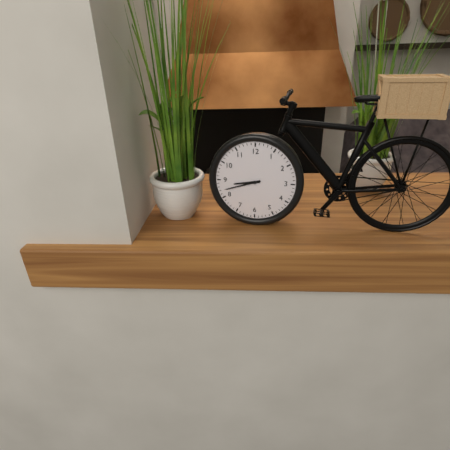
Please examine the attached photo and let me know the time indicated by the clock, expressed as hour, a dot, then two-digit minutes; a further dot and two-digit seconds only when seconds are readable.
8.42
